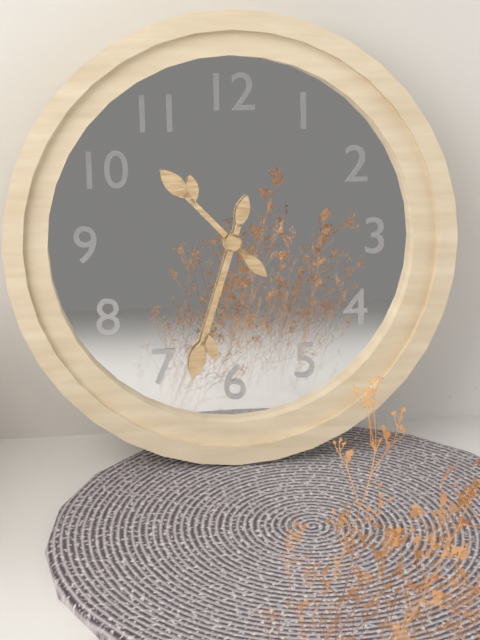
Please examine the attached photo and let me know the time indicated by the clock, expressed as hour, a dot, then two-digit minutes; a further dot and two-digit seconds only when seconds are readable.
10.33
